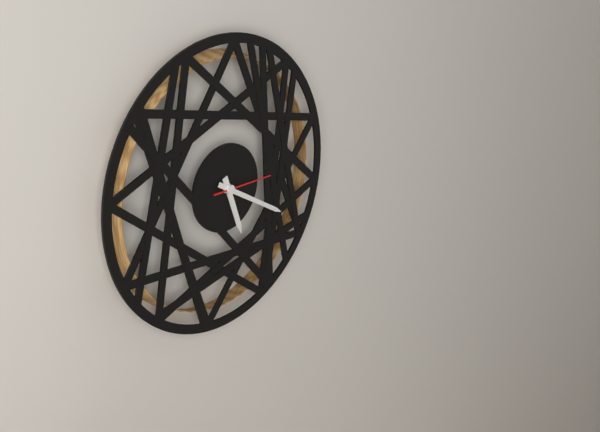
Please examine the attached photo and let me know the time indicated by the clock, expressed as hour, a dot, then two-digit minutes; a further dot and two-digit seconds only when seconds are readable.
5.20.15
